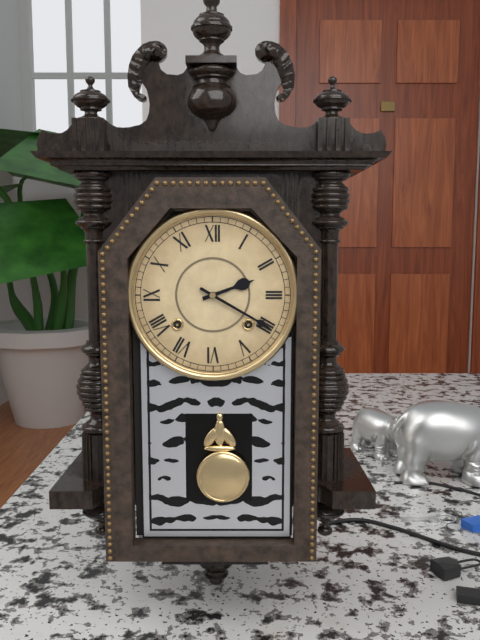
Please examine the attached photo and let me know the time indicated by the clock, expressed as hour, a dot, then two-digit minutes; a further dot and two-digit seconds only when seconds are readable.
2.20
